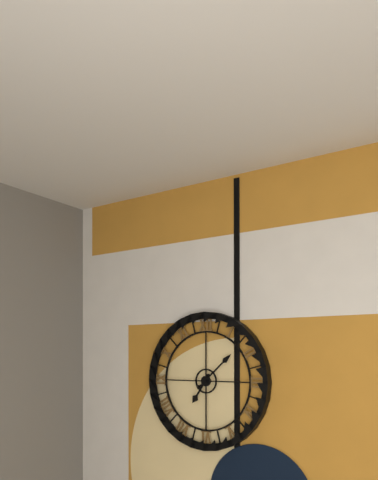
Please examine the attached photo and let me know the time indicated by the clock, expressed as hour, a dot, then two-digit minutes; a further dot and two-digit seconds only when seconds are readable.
7.08
